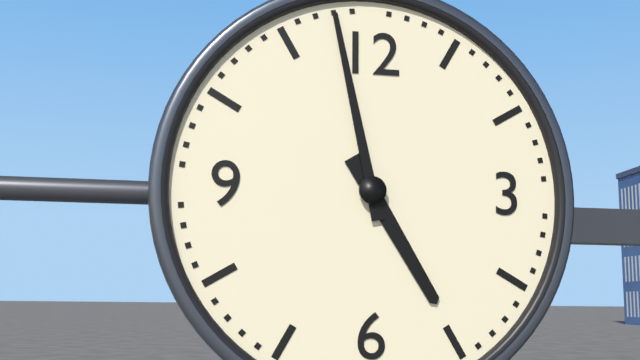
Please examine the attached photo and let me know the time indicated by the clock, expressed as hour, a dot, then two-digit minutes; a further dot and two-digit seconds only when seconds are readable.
4.58
